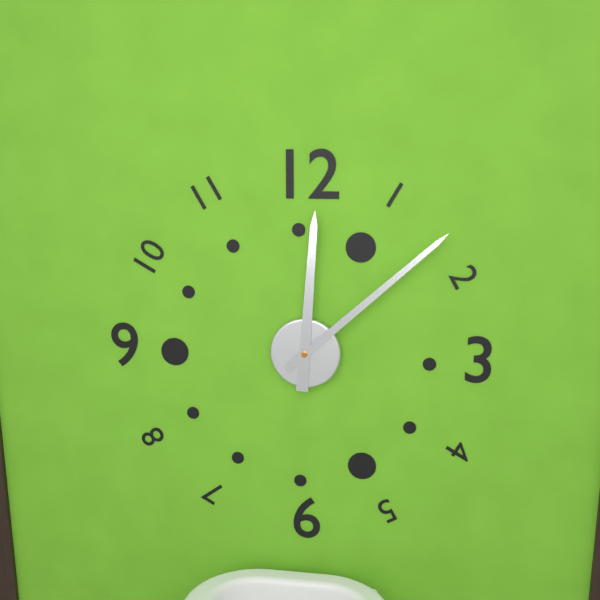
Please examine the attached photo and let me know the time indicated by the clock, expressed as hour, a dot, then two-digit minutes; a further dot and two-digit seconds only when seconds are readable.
12.08
